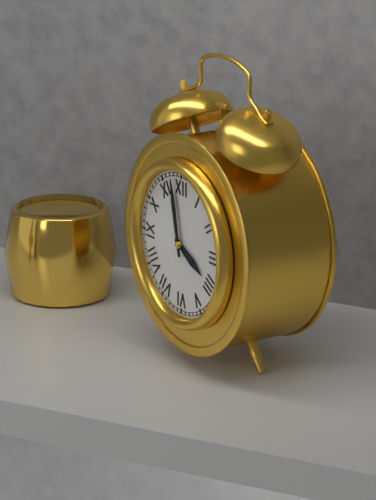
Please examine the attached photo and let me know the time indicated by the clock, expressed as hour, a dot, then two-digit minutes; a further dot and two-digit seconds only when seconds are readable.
3.58
